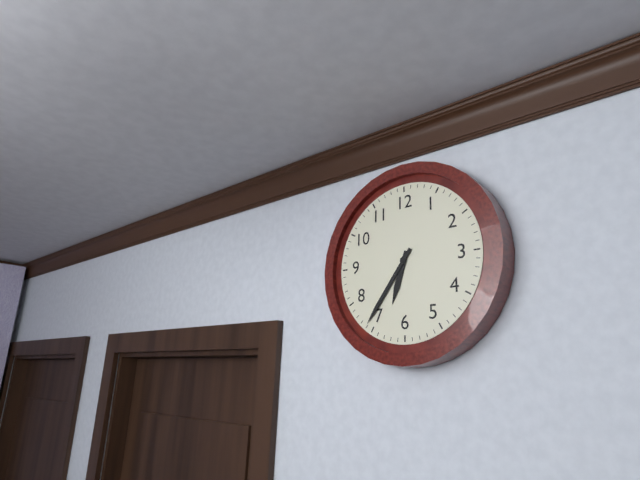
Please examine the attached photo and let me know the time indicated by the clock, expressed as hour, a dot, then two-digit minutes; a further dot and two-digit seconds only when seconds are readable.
6.36
